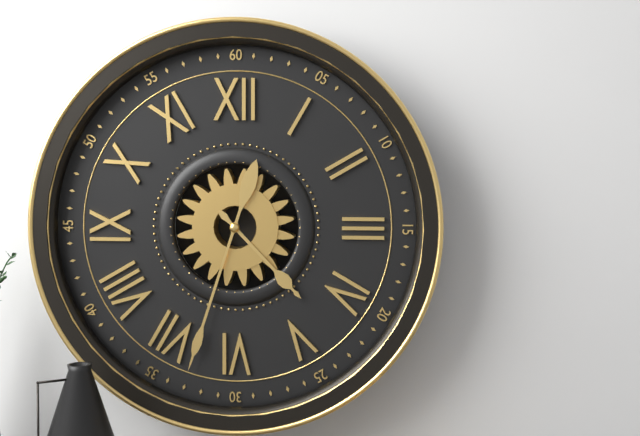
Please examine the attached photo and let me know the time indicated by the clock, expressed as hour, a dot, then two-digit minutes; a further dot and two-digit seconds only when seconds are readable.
4.33
